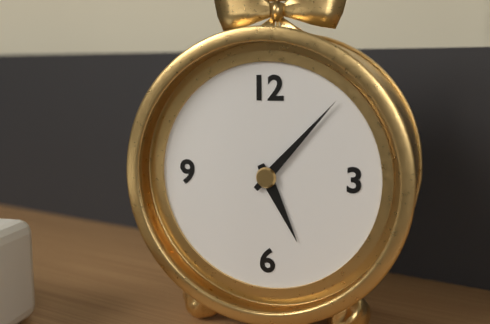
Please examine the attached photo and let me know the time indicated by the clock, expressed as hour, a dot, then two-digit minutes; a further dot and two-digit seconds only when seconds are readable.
5.07
